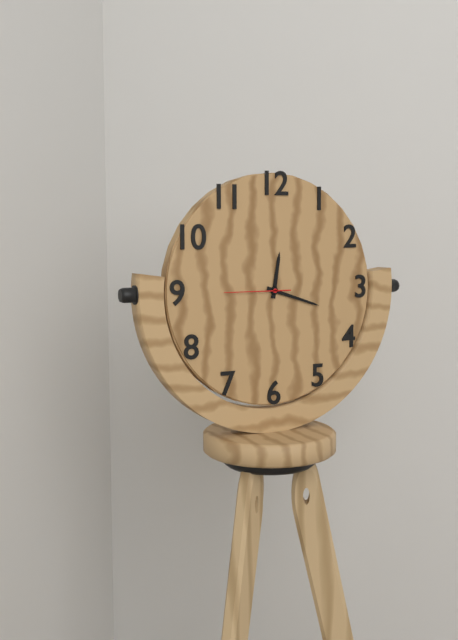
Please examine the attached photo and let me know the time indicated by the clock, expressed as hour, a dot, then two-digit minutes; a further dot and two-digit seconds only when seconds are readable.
12.18.45
